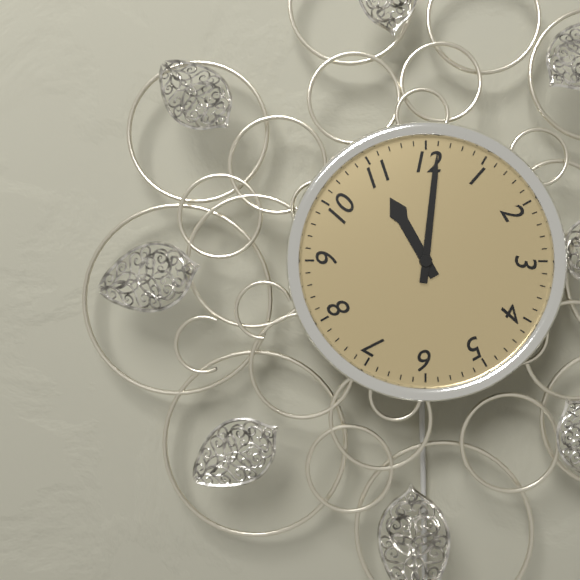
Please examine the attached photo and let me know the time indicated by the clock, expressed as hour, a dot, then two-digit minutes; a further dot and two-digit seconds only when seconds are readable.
11.01
